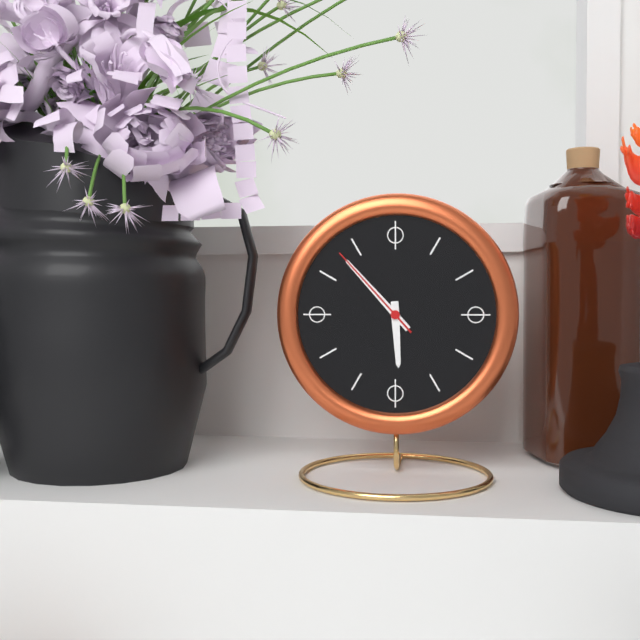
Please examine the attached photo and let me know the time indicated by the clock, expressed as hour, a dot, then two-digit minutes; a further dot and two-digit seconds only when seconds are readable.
5.53.53
